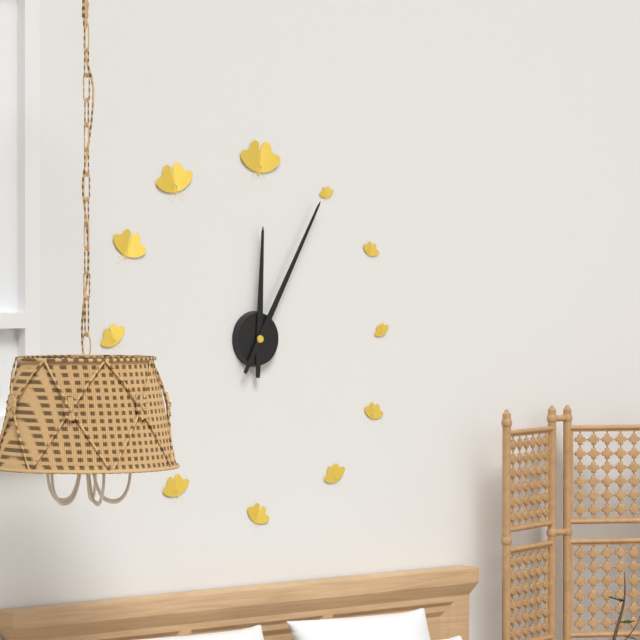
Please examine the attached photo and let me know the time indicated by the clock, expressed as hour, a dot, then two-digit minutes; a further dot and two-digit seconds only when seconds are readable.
12.05
